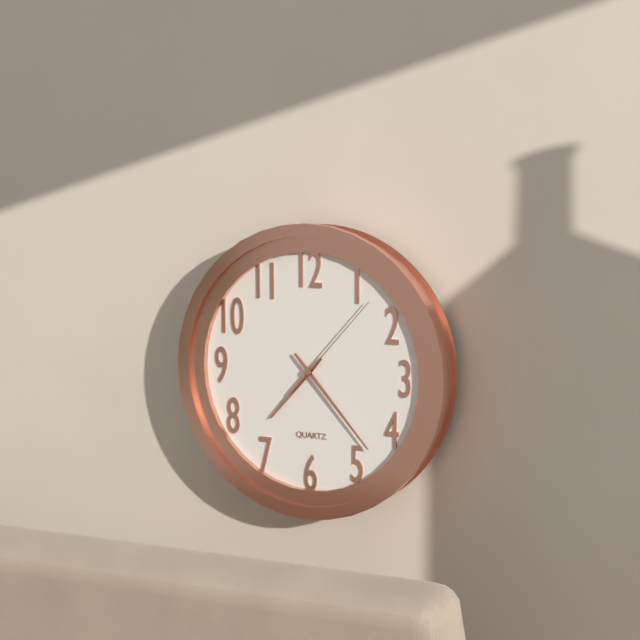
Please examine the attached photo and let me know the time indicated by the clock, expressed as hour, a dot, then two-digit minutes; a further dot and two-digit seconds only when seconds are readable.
7.23.07
